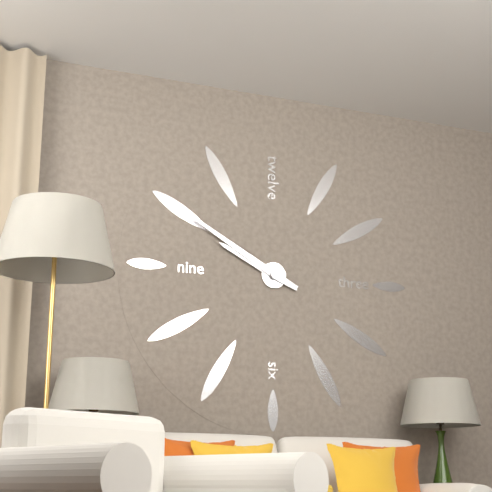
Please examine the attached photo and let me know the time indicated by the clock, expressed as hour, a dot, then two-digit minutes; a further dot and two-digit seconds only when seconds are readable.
9.50
